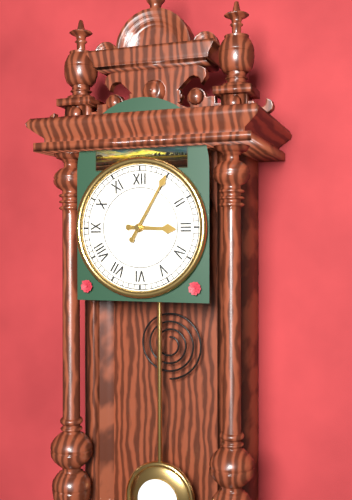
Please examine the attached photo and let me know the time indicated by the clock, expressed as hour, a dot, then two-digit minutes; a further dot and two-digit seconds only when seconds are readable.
3.05
